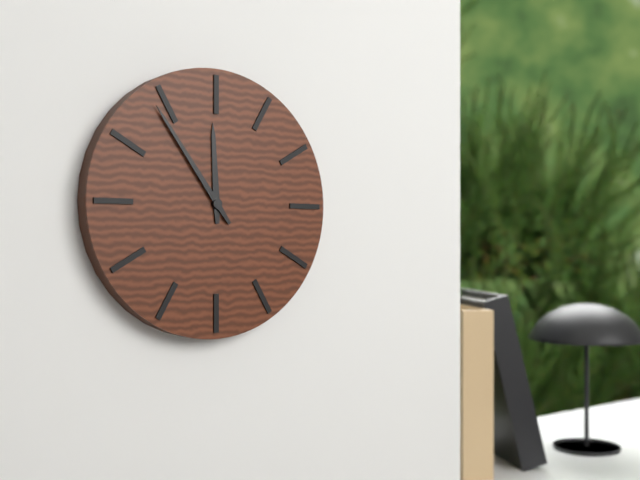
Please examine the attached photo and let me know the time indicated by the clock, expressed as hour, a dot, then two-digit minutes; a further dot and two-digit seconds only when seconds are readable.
11.54
